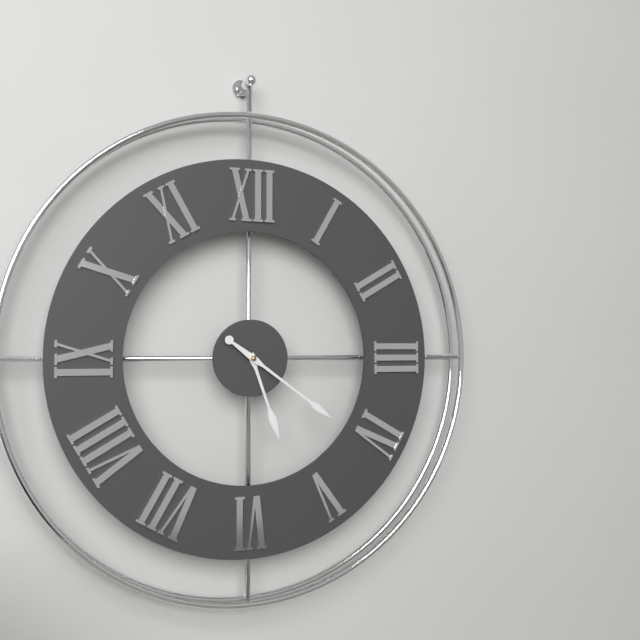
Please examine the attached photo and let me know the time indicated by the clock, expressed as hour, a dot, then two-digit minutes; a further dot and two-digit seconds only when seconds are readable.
5.21
